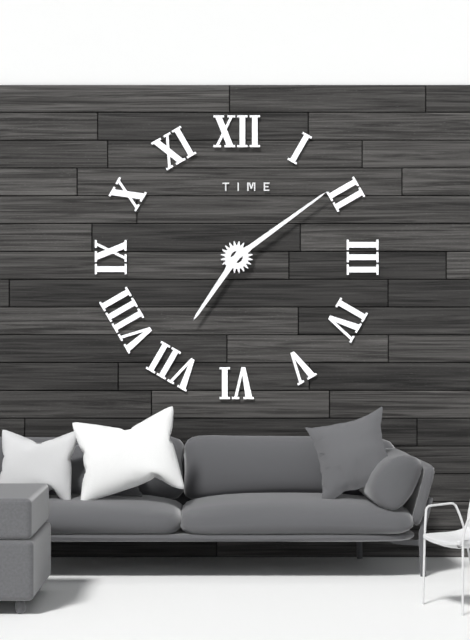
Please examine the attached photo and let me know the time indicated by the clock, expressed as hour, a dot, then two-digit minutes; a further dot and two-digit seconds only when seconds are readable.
7.09
